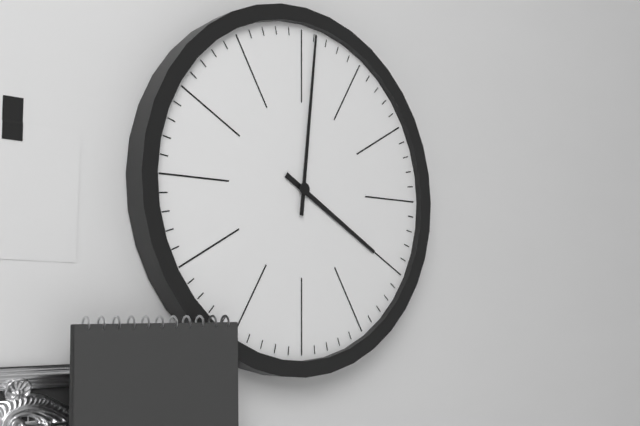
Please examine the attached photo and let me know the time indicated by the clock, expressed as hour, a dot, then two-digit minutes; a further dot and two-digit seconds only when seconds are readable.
4.01
